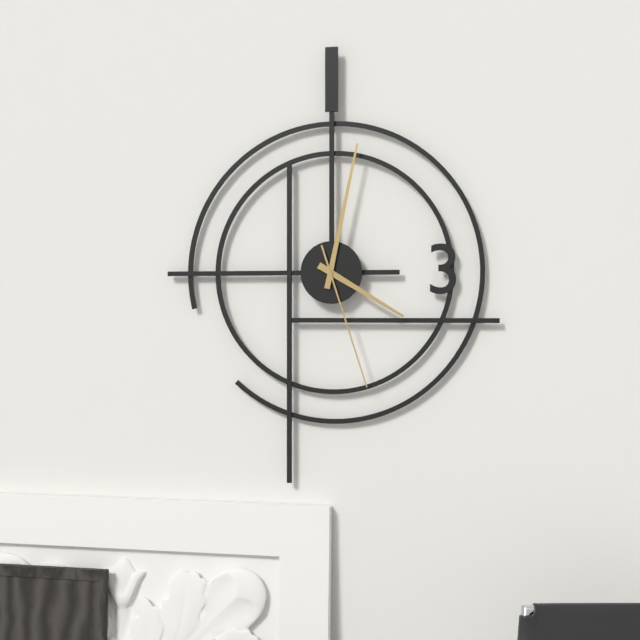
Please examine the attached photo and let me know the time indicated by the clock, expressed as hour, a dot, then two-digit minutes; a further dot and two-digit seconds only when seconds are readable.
4.02.27
